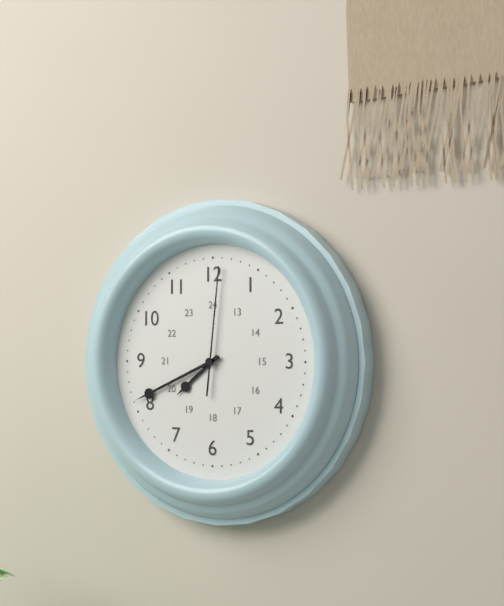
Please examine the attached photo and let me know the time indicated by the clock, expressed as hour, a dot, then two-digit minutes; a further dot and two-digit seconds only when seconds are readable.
7.41.01
